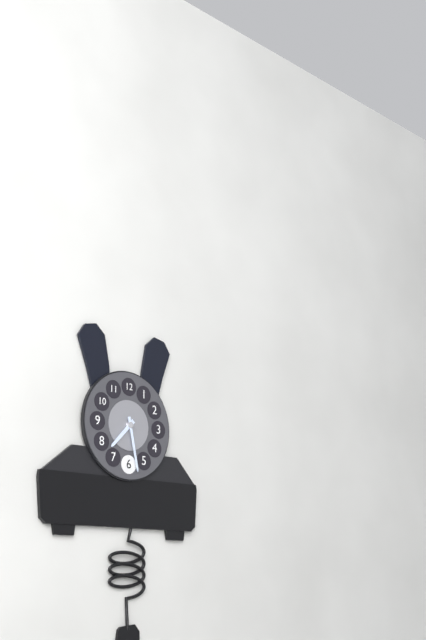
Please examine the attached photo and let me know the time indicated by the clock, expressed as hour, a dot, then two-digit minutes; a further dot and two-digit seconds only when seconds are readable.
7.28
